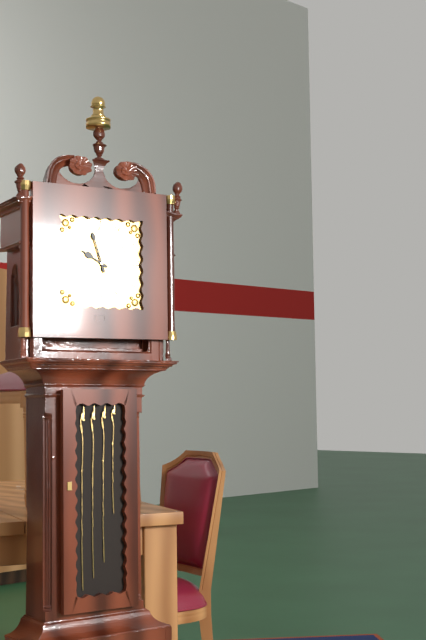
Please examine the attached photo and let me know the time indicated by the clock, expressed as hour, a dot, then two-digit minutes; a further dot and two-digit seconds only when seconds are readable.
9.57
